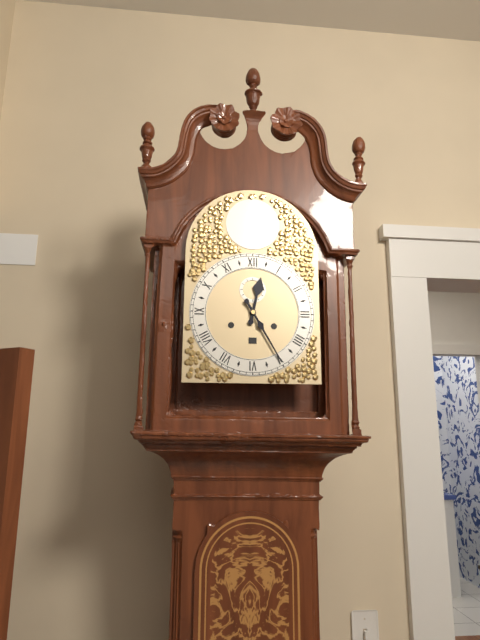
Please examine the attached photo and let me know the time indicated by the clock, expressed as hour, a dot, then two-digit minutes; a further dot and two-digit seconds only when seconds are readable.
12.25
